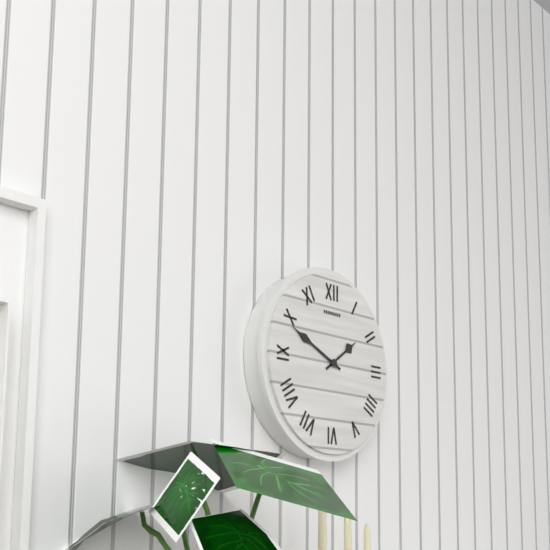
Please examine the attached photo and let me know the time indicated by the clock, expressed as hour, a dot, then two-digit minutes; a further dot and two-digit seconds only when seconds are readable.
1.49
